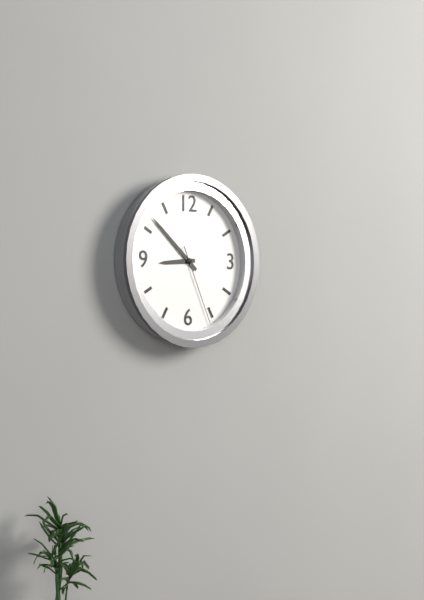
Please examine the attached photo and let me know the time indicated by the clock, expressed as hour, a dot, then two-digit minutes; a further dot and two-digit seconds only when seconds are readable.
8.52.26
